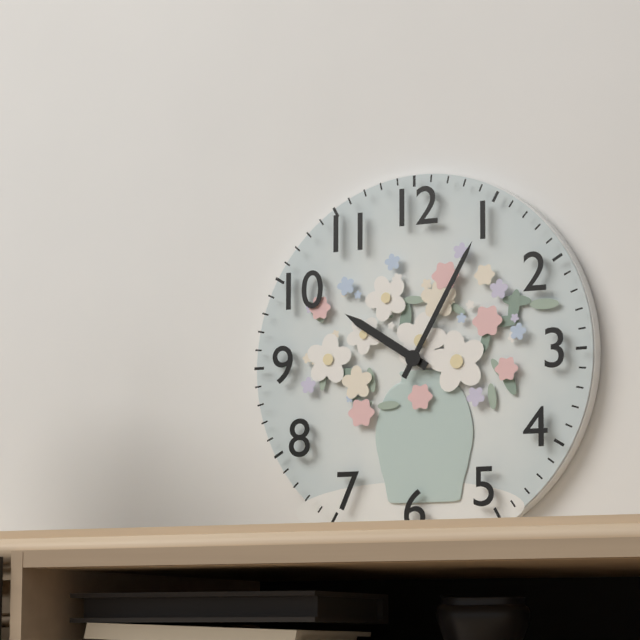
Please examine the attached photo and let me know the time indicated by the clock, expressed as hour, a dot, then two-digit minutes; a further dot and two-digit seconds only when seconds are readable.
10.05
